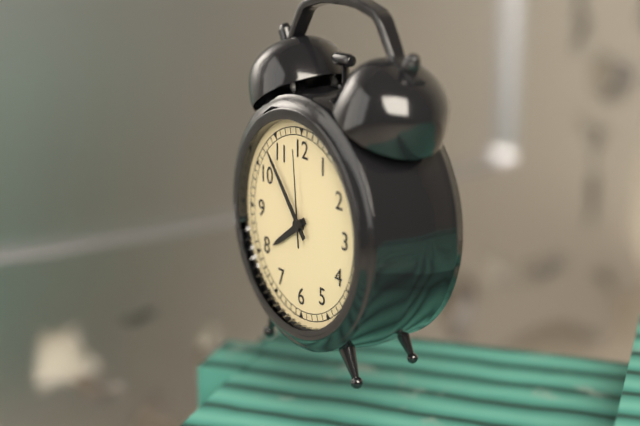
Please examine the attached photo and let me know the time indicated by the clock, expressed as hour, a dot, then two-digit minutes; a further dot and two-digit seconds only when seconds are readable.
7.53.59
